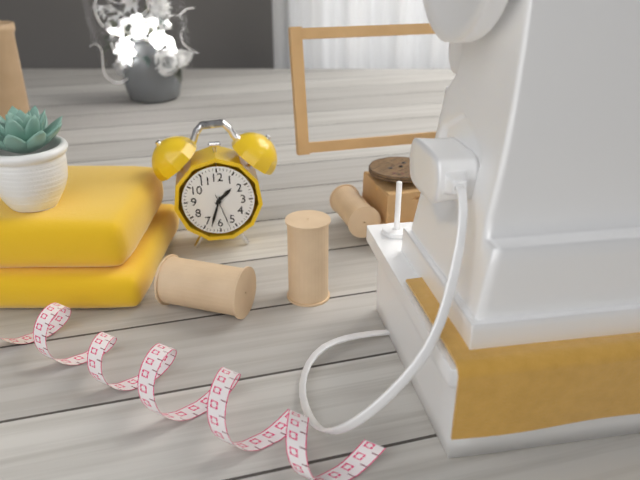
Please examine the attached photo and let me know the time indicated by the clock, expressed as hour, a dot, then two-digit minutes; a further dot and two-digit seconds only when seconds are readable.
1.33
